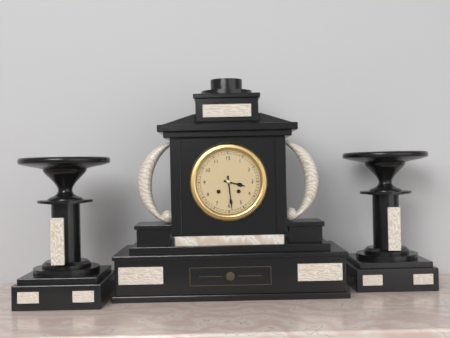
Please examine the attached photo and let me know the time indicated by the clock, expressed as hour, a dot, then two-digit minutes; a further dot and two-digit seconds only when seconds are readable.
3.29
